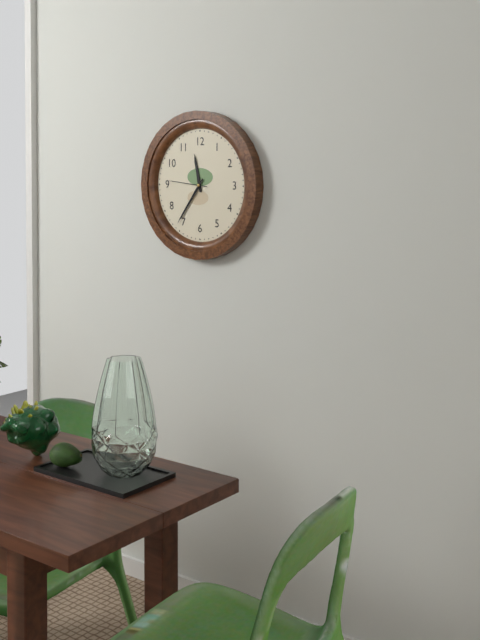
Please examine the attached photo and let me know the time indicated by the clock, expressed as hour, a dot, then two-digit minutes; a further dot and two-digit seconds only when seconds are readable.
11.36
